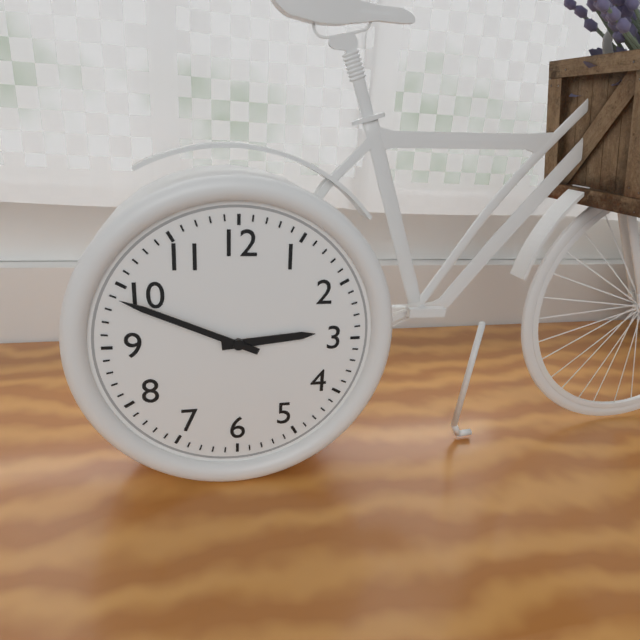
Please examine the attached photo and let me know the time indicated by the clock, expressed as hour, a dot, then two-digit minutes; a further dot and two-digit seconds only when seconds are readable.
2.49
